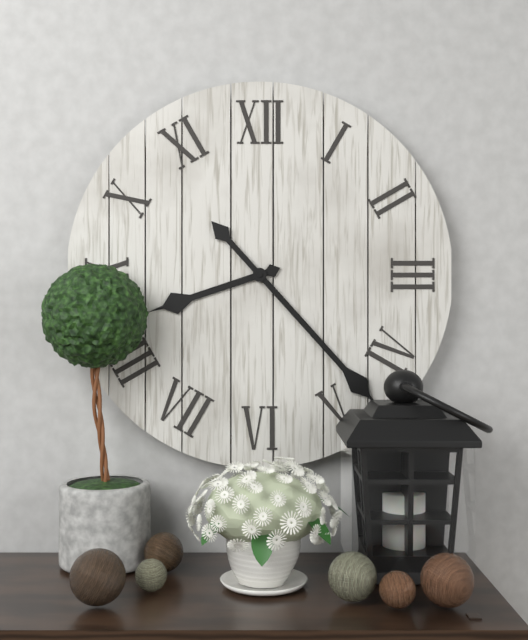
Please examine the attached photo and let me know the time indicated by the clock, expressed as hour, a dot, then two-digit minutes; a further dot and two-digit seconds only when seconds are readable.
8.23
